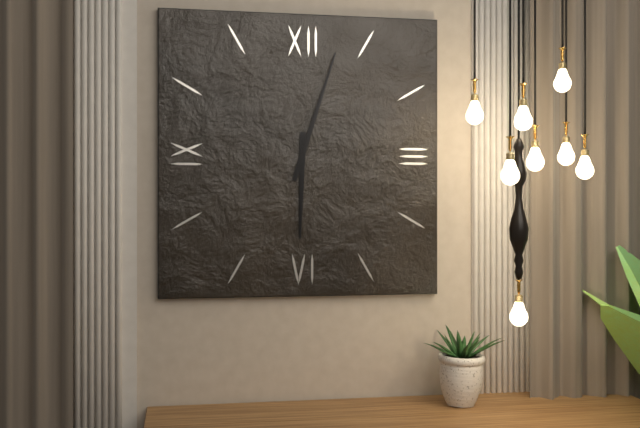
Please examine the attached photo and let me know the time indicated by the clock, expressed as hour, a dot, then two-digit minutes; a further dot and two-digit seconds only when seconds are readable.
6.03
